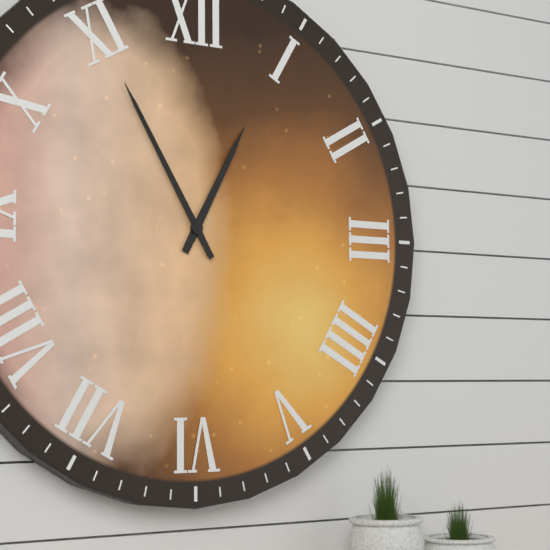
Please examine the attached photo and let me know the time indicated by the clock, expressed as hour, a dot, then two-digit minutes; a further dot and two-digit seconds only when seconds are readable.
12.55
